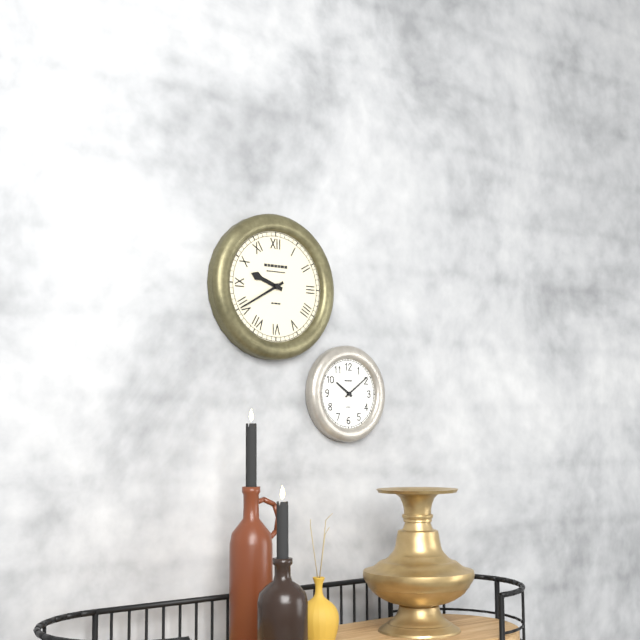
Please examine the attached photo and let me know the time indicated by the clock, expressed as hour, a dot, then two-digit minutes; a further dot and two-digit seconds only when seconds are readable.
9.40
